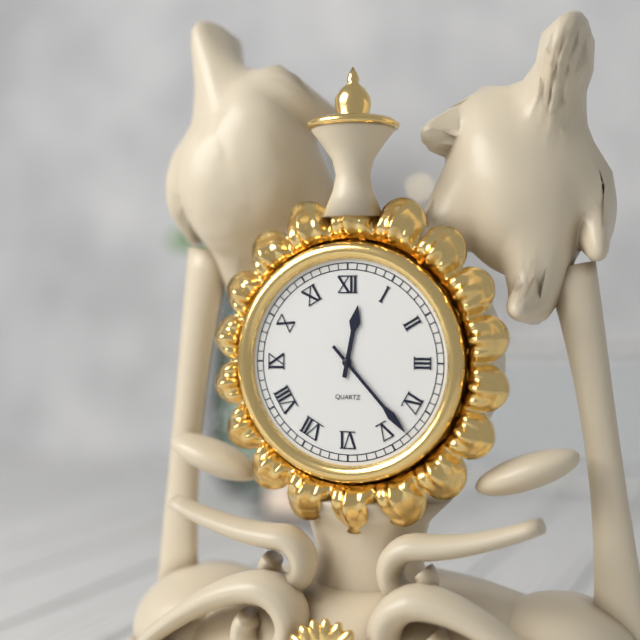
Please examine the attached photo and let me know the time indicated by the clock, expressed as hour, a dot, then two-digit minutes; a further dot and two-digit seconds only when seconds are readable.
12.23
